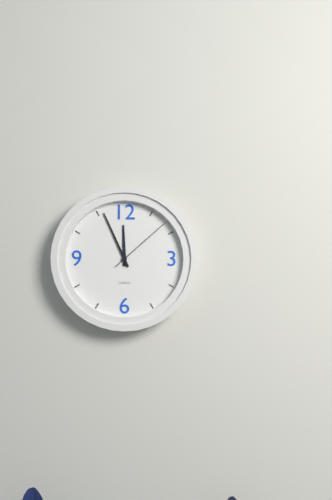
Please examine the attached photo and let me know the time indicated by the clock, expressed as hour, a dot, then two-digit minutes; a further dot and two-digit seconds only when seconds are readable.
11.56.08
